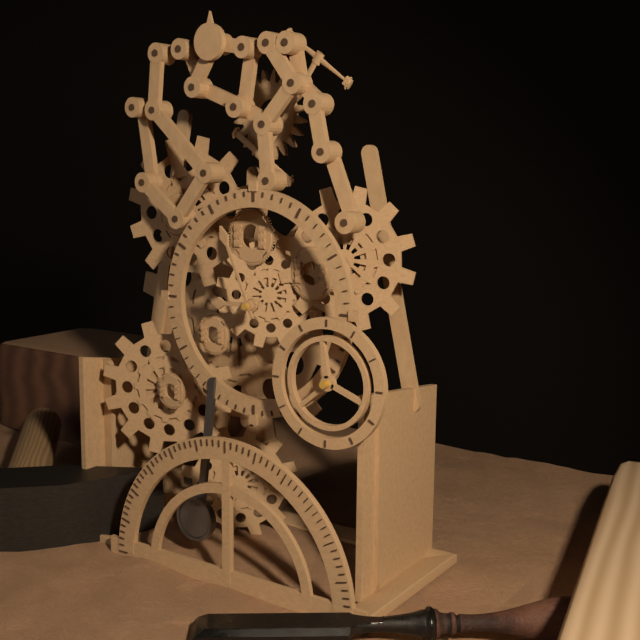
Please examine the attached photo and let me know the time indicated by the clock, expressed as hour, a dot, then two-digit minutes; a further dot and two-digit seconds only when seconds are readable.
8.56
